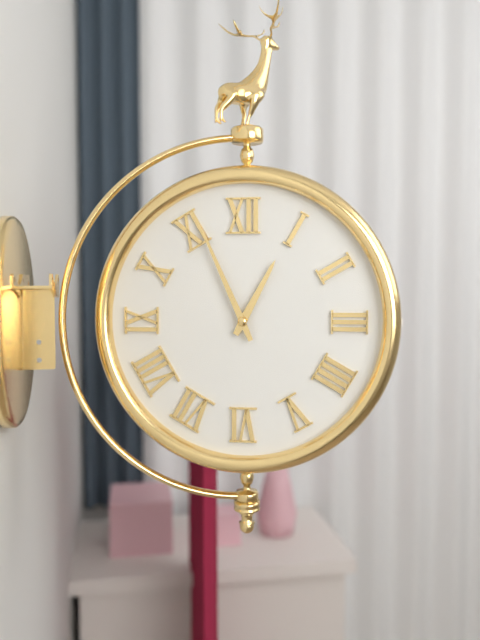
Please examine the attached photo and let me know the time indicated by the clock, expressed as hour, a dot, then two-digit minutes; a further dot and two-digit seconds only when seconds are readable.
12.56
